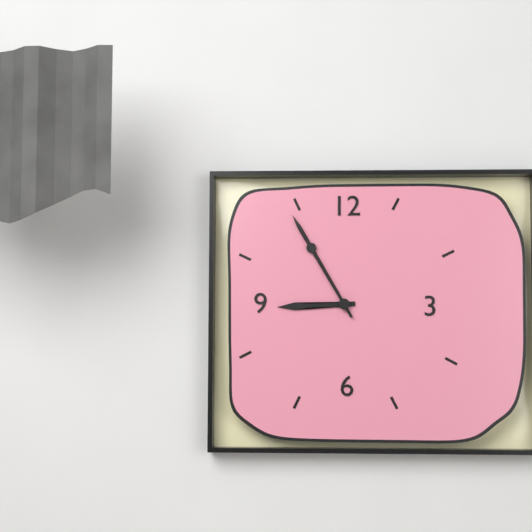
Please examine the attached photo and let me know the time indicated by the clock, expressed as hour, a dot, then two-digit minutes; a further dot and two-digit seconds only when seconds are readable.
8.55
